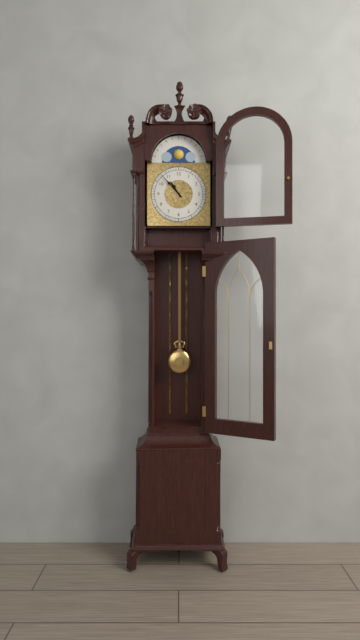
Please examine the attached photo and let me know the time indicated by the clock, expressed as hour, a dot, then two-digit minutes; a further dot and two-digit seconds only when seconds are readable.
10.53
